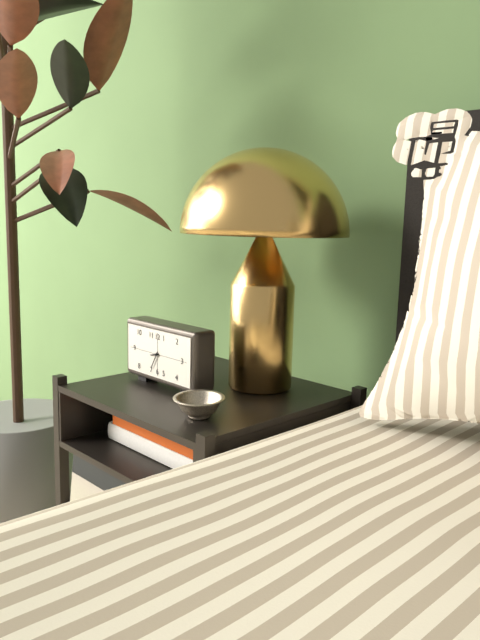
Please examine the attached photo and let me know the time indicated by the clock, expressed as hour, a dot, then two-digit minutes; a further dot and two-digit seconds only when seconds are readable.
8.35
